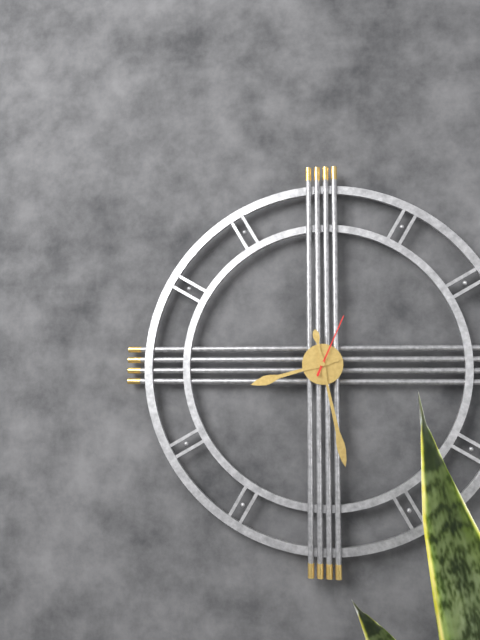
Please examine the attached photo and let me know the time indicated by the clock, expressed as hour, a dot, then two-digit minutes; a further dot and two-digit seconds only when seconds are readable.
8.28.04
